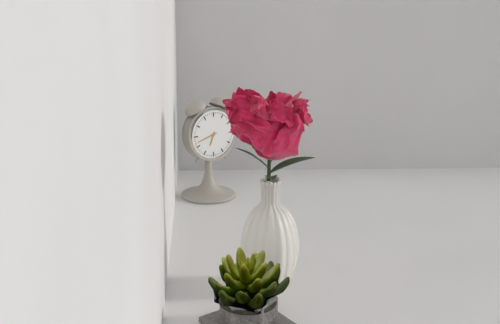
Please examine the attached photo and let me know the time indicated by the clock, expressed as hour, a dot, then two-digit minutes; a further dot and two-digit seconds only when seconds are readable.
6.42
